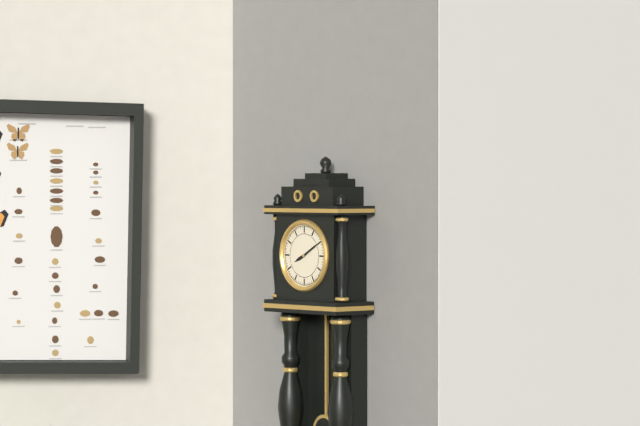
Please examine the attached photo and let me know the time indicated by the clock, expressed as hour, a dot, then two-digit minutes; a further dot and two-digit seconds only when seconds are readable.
8.10
